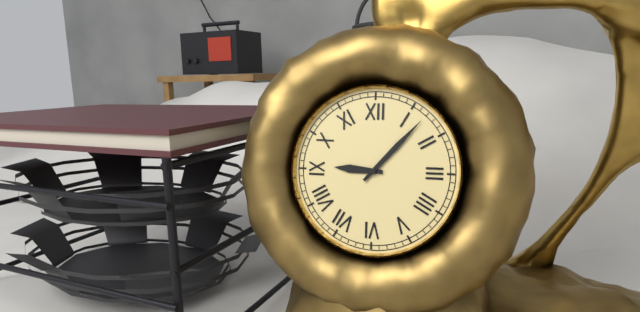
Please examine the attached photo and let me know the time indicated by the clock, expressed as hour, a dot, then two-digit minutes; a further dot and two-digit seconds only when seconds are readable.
9.07
